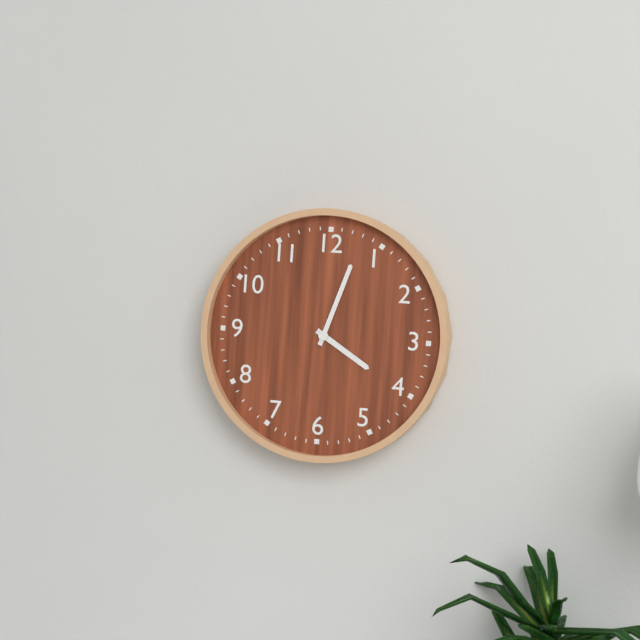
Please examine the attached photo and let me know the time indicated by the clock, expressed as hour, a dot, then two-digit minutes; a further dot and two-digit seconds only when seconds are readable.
4.03
